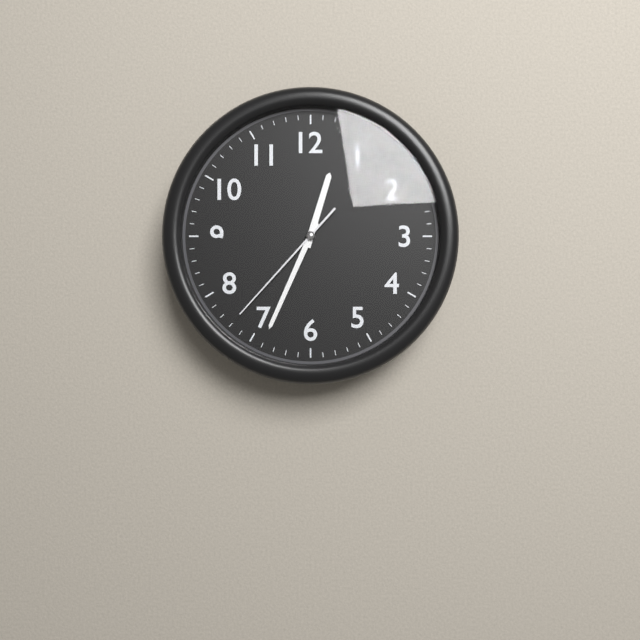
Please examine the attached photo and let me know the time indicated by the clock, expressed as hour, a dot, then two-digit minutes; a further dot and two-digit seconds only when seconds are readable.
12.34.37
